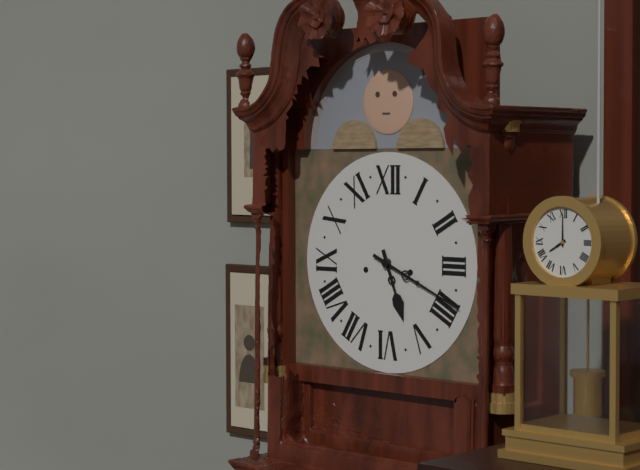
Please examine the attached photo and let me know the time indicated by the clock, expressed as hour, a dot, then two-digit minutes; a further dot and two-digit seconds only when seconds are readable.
5.19
